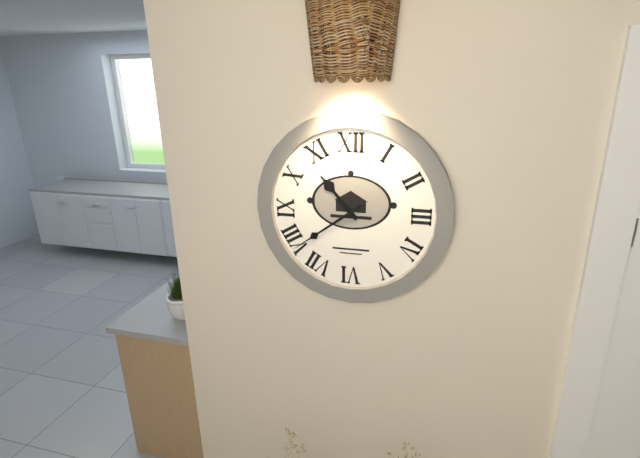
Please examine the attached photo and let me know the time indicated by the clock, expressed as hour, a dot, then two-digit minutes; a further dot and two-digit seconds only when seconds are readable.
10.39
